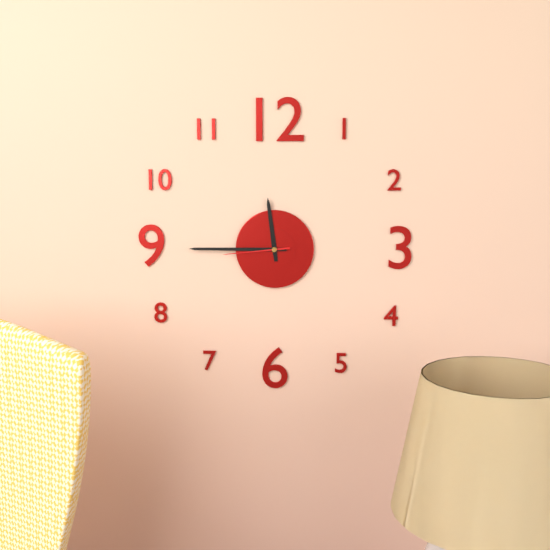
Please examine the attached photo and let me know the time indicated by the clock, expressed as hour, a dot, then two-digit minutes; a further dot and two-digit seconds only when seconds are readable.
11.45.44
